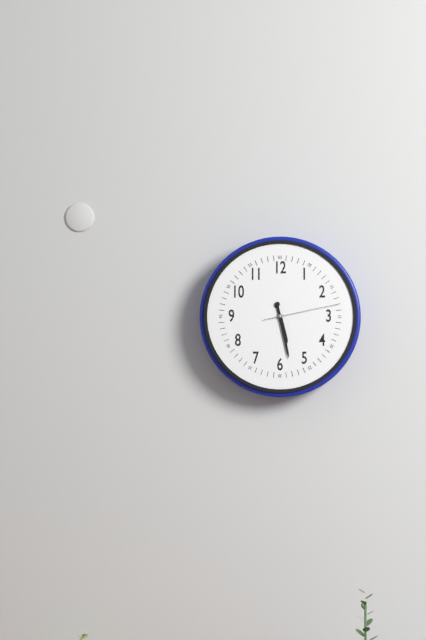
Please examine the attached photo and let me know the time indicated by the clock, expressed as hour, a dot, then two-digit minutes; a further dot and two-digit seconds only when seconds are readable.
5.28.13
